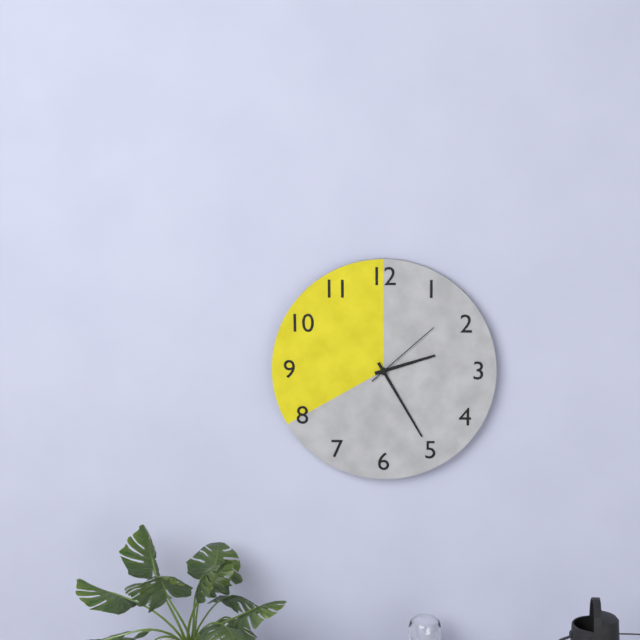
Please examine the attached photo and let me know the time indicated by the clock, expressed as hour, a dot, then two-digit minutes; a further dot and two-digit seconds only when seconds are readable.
2.25.08
